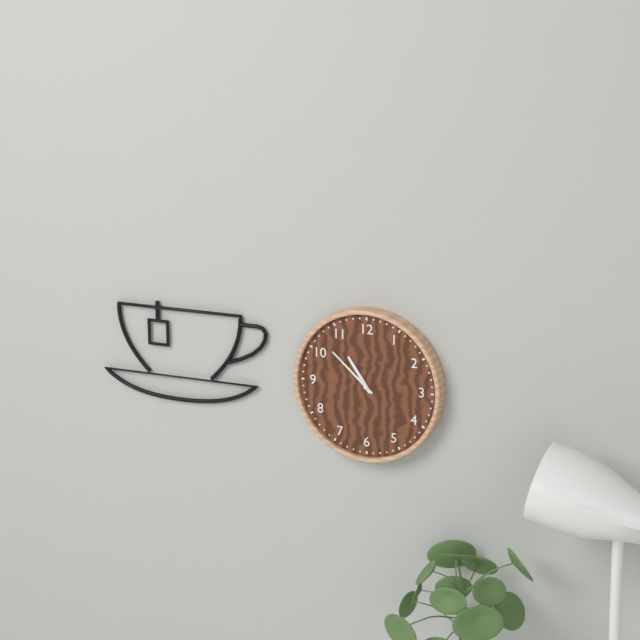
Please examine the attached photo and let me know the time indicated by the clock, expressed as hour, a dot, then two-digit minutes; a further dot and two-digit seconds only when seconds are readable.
10.52
